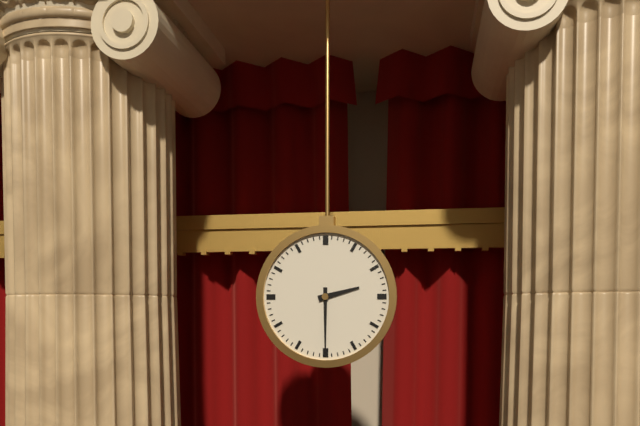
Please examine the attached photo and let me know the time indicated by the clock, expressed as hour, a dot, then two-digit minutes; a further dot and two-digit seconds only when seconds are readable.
2.30
